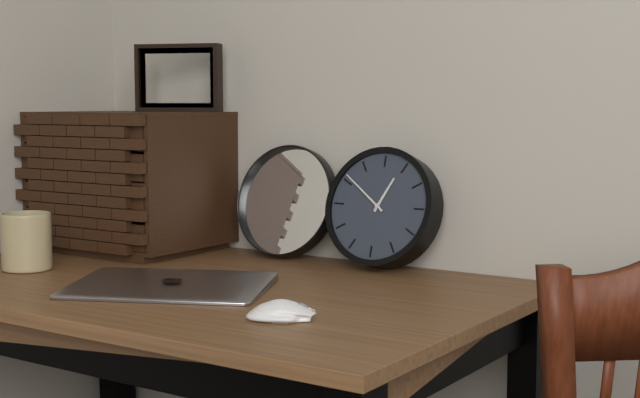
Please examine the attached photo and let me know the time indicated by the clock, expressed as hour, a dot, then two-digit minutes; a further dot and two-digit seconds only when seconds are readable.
12.51
